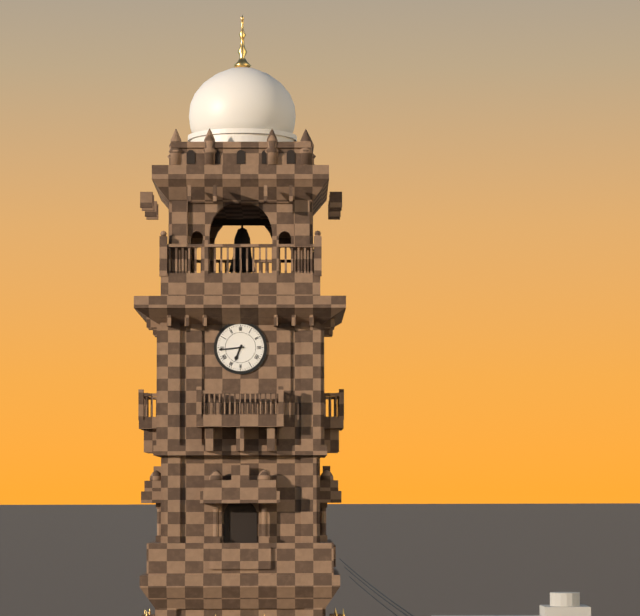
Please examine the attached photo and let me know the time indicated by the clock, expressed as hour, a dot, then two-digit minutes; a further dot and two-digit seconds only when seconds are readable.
6.44
